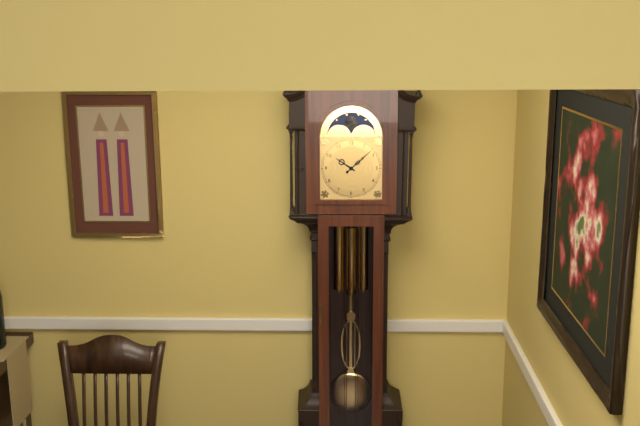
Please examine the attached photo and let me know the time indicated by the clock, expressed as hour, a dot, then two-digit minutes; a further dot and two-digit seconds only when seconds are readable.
10.08
